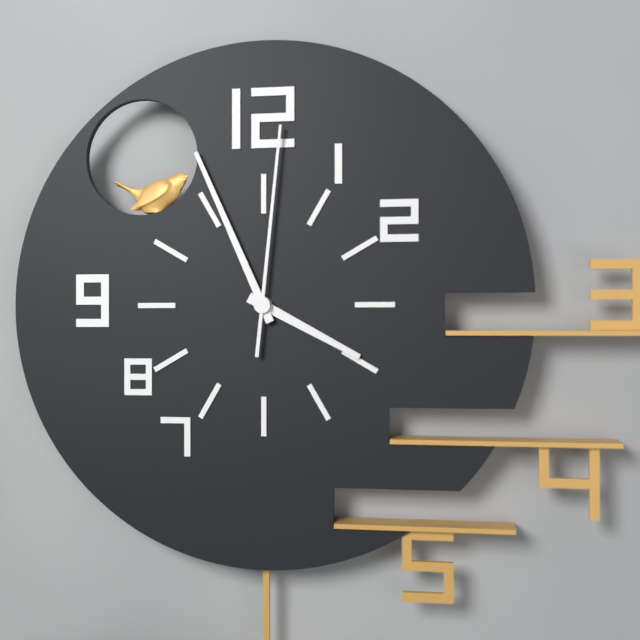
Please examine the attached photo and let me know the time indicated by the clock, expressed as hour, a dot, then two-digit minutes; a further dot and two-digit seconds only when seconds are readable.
3.56.01
